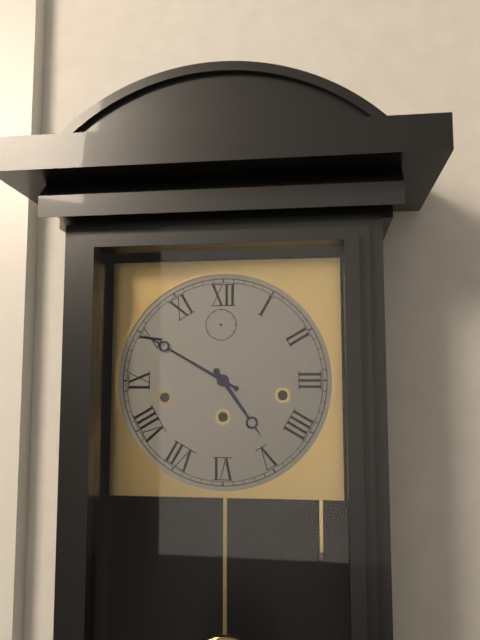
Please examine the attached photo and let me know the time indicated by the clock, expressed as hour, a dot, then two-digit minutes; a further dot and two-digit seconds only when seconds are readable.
4.50
